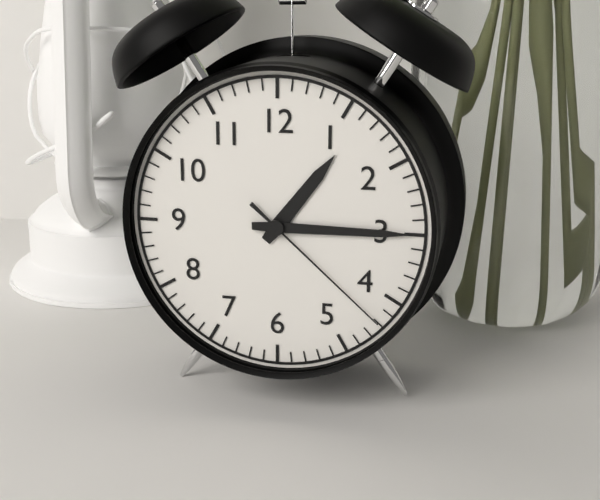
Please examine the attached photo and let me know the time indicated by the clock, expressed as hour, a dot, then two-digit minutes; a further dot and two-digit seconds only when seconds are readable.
1.15.22
